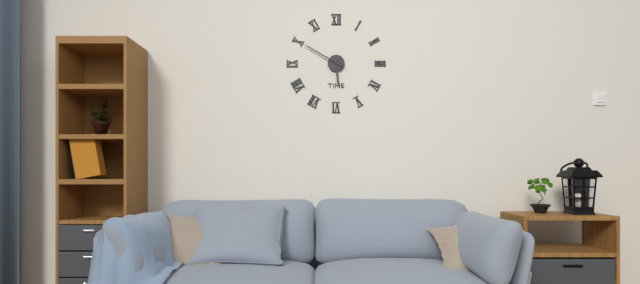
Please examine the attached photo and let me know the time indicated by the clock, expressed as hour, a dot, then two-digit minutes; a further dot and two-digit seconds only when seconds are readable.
5.50
